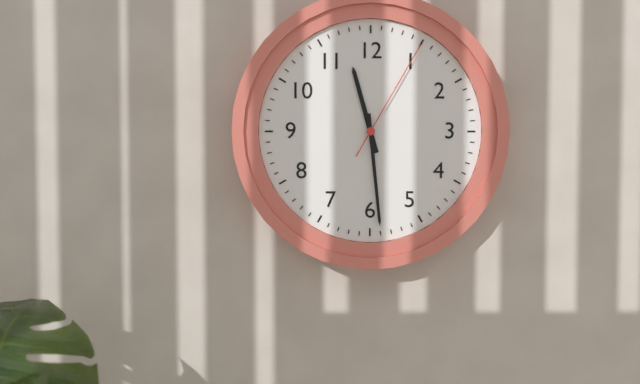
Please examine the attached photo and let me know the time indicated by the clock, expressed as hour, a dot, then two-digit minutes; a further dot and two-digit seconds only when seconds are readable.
11.29.05
